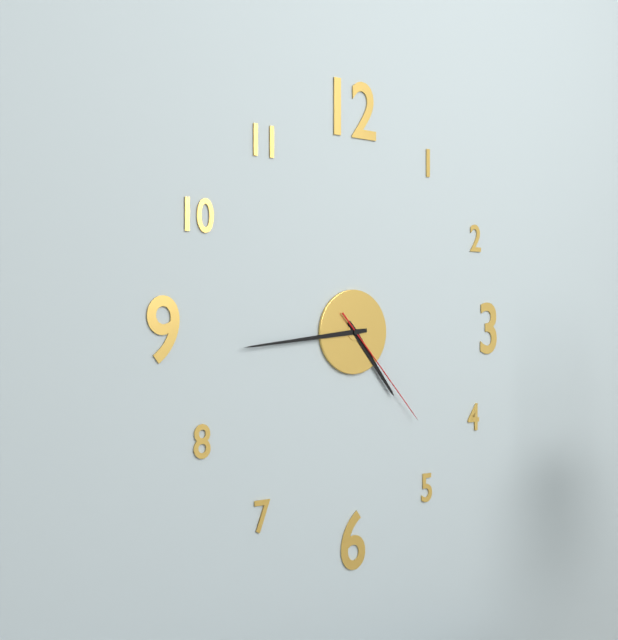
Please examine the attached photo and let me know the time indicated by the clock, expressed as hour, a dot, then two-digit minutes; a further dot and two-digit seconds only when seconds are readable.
4.44.23
